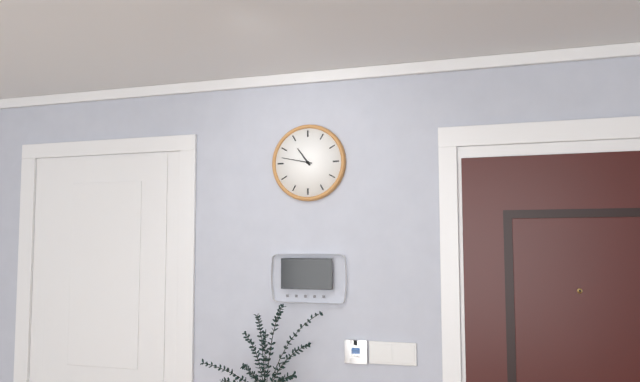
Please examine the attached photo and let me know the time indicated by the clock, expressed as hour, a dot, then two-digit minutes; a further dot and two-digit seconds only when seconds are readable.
10.47
